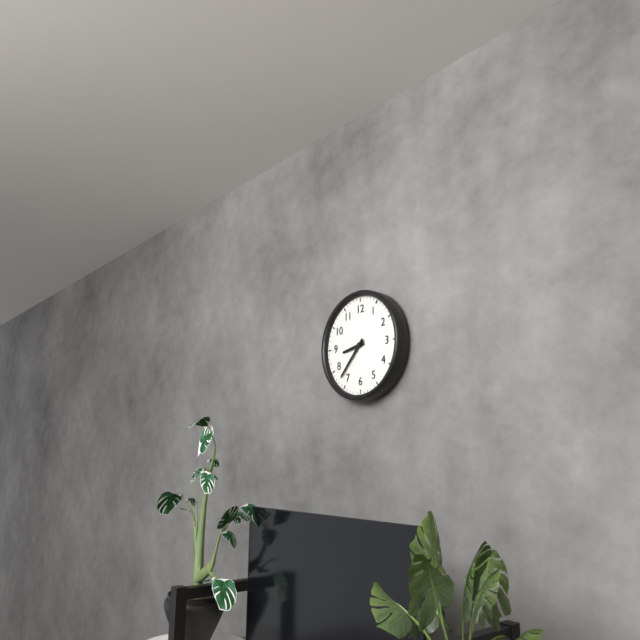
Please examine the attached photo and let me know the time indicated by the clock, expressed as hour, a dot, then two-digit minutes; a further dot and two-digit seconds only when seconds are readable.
8.37
